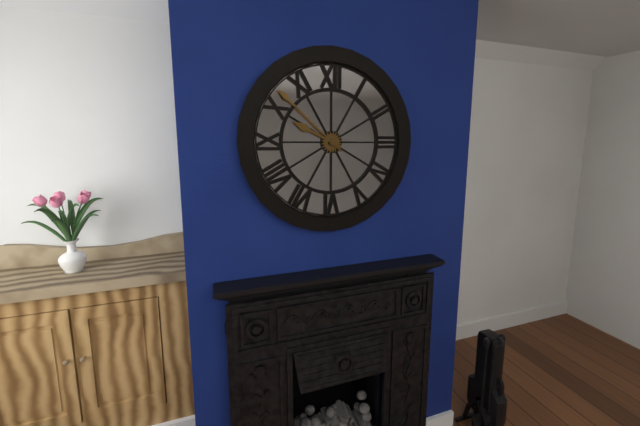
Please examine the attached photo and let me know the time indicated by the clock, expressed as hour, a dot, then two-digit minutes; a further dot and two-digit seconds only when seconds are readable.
9.52
